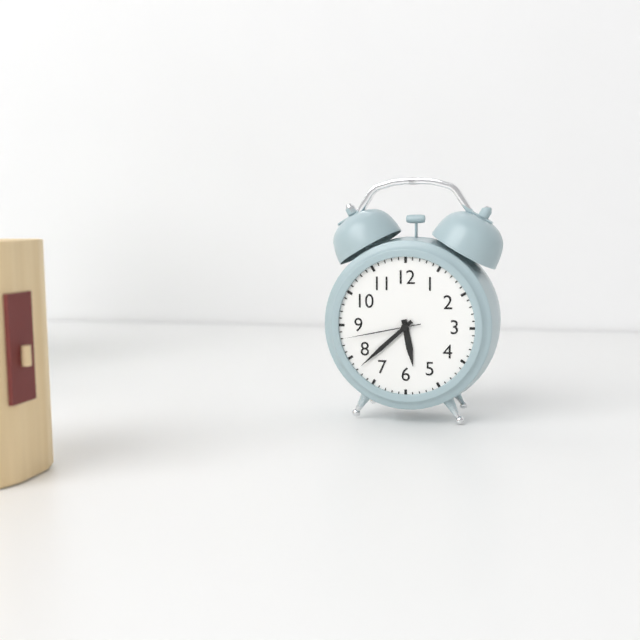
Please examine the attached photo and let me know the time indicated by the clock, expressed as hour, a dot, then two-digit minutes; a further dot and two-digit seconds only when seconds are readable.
5.38.43
